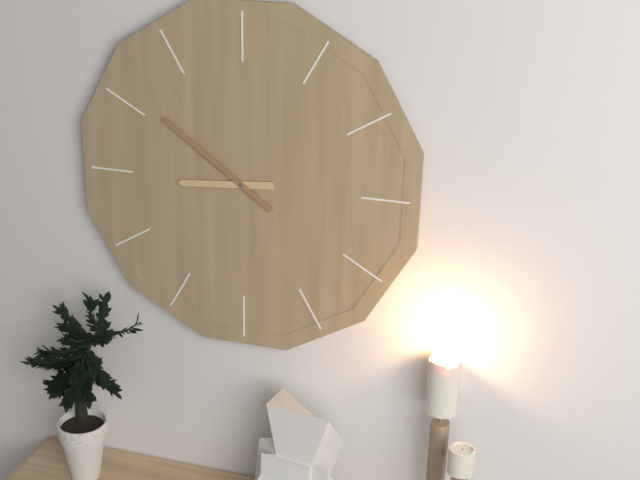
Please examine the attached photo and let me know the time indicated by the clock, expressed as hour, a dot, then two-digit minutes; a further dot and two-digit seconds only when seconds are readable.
8.51
